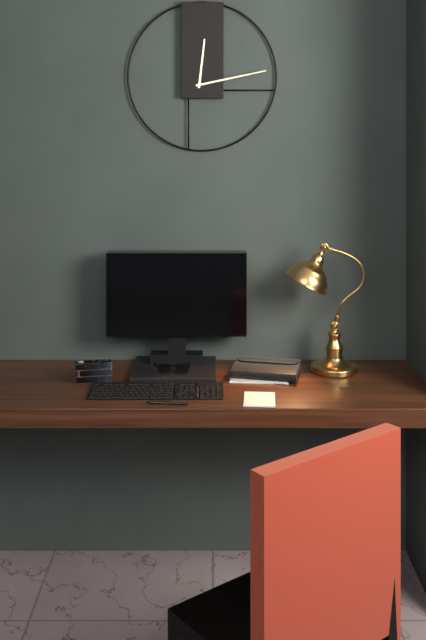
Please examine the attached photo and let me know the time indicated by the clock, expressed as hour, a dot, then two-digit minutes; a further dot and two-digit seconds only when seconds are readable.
12.13
